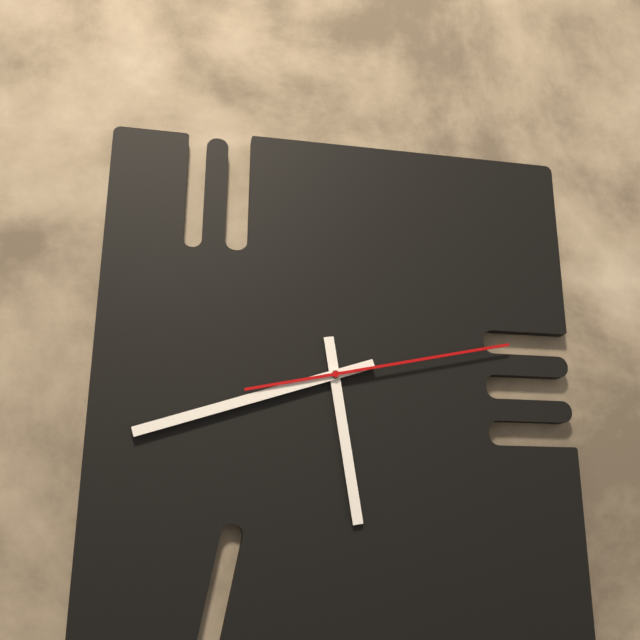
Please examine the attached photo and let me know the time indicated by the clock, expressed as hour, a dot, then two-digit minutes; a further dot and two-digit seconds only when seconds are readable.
5.42.13
